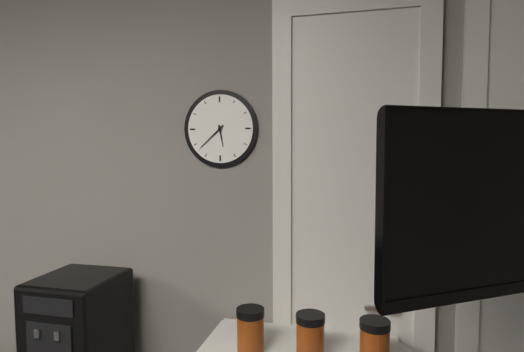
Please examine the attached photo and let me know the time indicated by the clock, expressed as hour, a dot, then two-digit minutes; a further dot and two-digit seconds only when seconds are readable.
5.38
